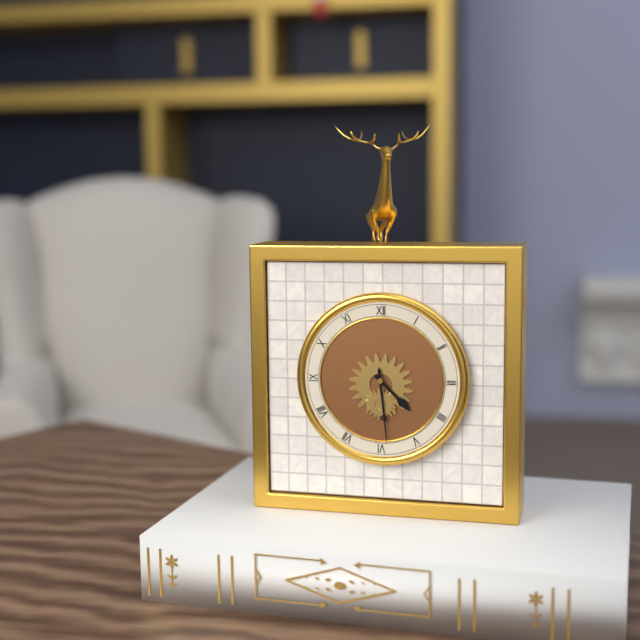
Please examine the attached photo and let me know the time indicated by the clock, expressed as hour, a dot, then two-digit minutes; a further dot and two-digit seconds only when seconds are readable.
4.29
